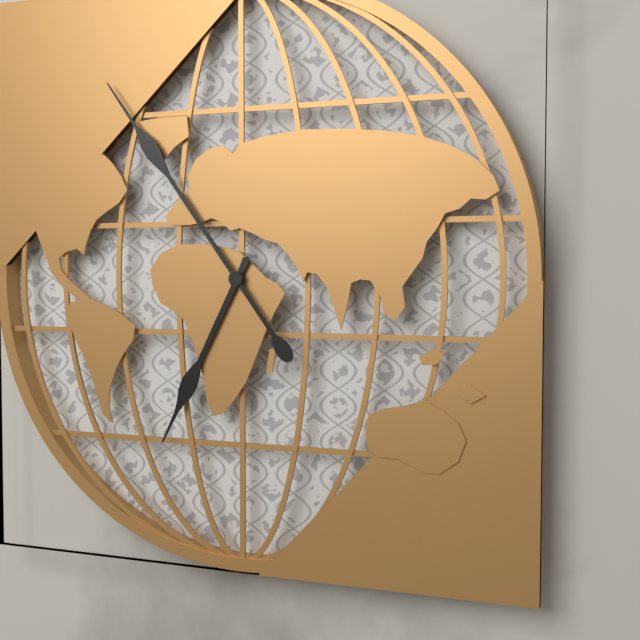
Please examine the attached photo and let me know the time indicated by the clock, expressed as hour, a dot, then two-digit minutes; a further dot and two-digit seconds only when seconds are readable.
6.54
